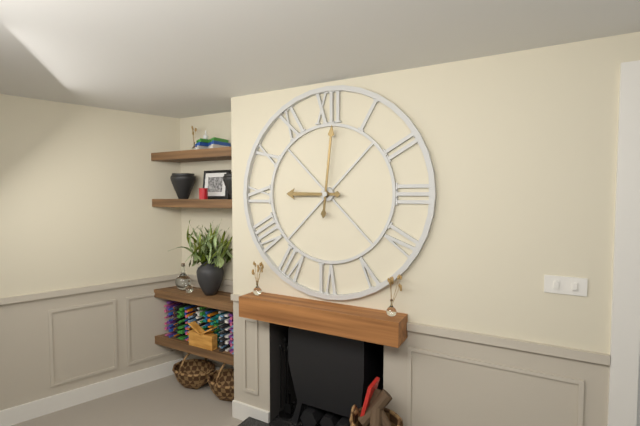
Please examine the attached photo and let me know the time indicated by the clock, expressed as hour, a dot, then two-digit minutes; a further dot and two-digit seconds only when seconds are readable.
9.01
